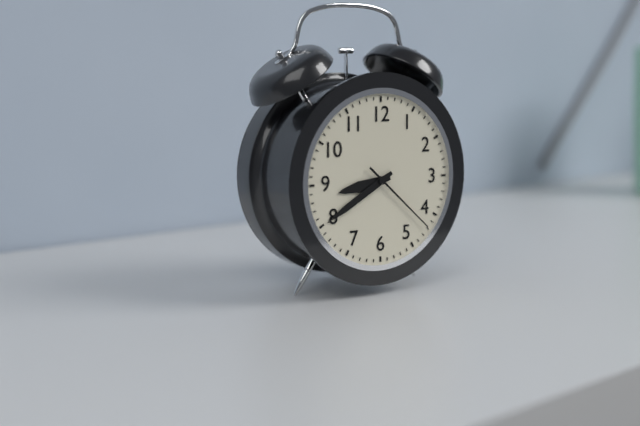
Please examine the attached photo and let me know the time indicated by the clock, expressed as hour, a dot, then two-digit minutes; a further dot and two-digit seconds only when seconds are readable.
8.40.22
